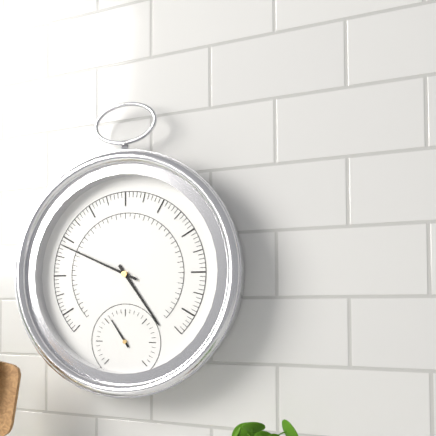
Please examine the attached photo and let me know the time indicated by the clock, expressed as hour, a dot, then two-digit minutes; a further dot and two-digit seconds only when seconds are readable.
4.49
